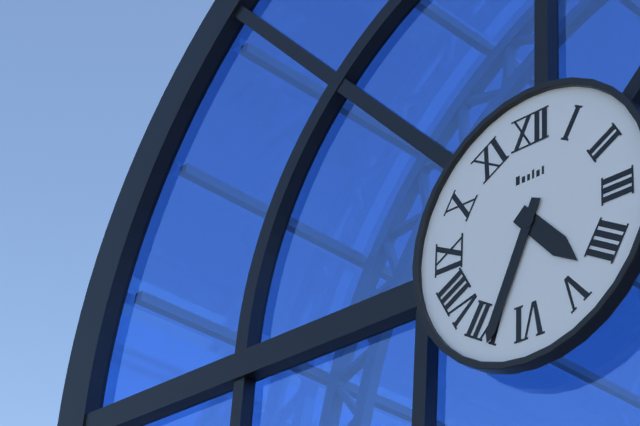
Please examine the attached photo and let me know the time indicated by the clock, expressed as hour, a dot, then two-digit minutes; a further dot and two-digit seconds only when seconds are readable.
4.34
